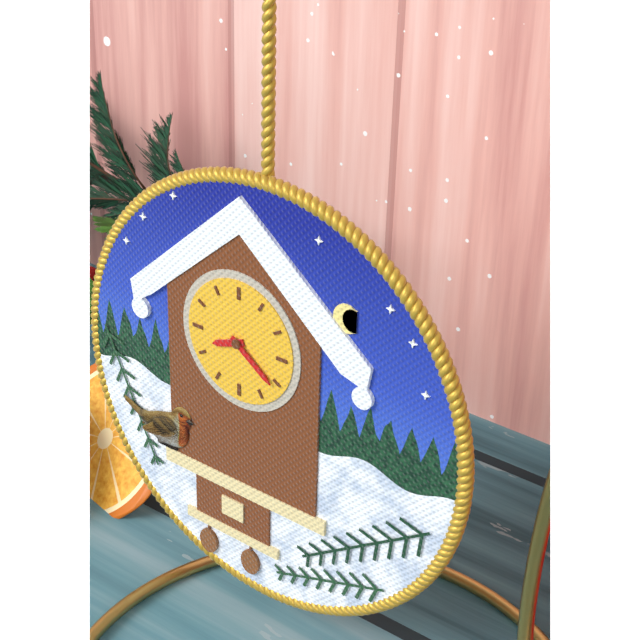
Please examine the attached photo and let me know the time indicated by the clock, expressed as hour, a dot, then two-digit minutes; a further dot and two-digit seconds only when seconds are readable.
8.21
